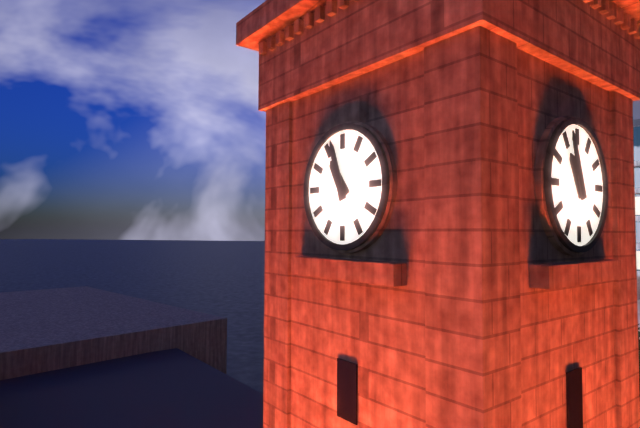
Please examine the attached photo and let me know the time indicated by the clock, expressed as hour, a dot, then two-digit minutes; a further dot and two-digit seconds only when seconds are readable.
10.57
